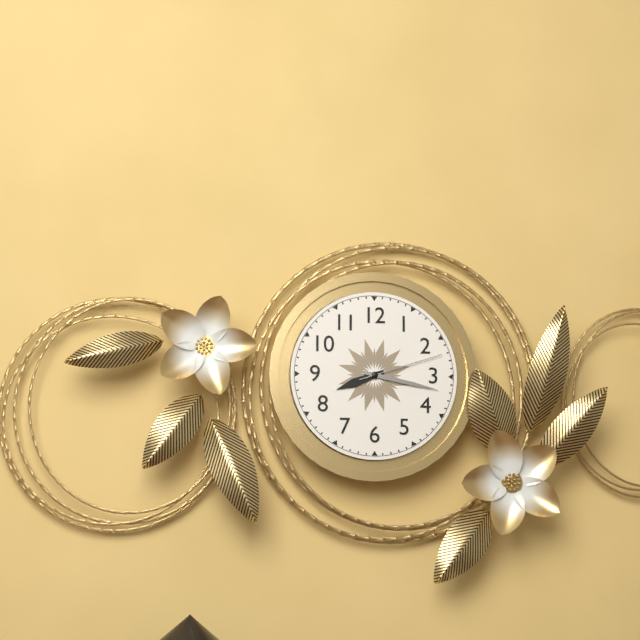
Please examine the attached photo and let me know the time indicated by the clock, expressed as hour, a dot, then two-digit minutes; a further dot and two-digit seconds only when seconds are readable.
8.17.12
